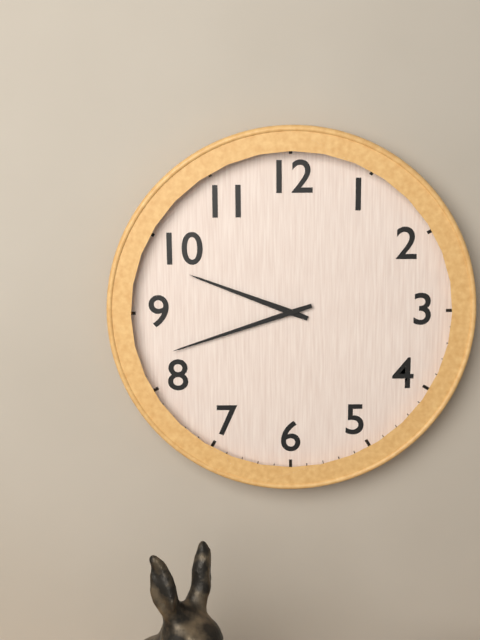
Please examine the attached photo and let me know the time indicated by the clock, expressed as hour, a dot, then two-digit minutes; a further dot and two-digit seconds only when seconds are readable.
9.42
